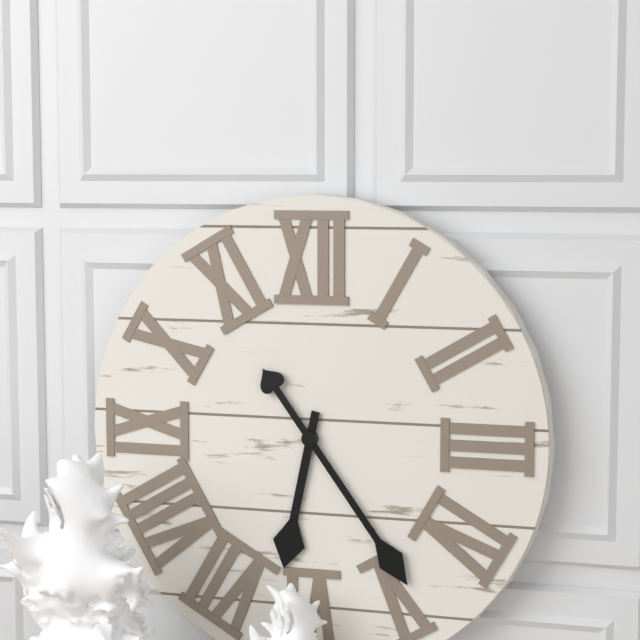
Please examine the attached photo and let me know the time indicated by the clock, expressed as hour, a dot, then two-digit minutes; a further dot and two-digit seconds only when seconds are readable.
6.24
